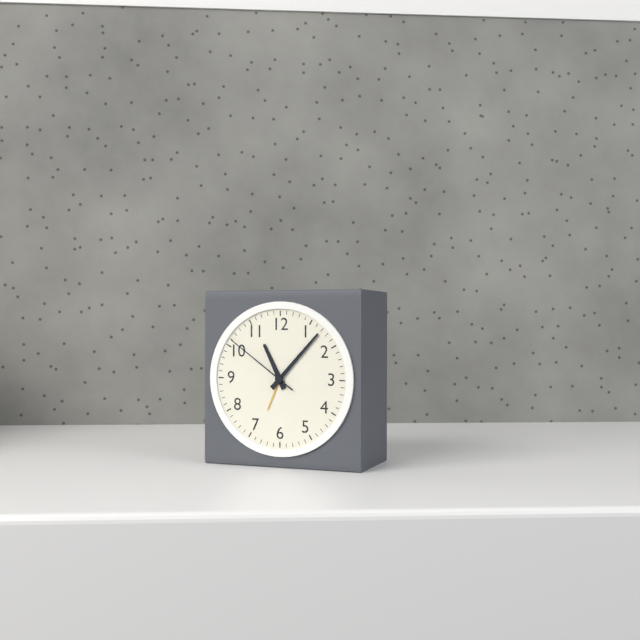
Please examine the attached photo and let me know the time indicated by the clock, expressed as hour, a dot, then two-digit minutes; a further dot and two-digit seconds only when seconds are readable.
11.07.51
